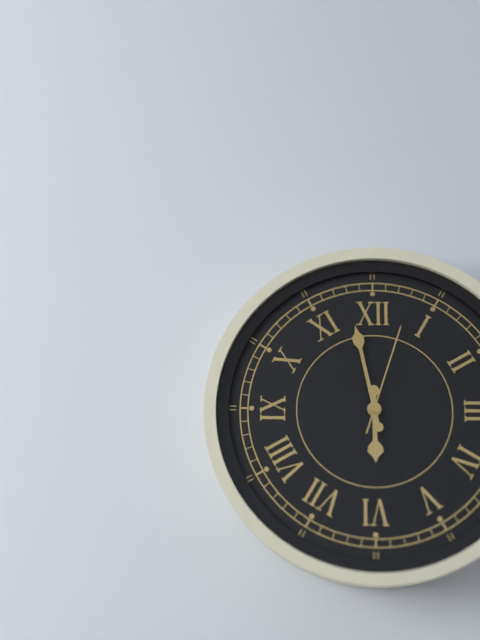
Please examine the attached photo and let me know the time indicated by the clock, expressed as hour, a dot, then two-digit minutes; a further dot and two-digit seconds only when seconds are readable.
5.58.03
